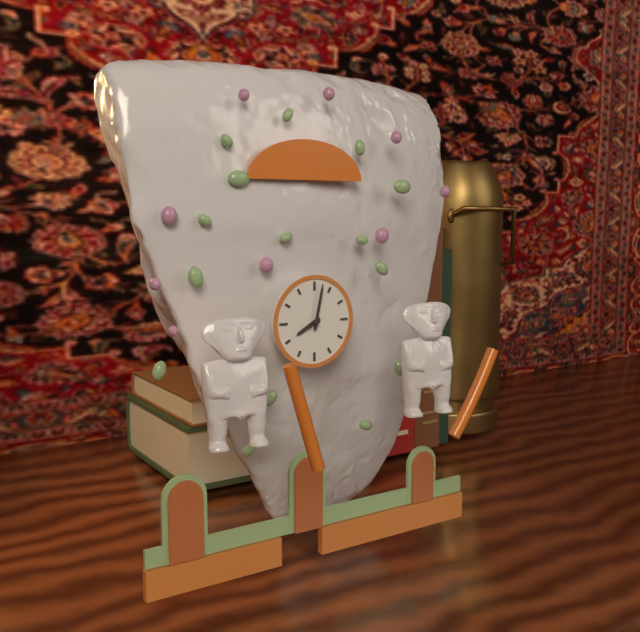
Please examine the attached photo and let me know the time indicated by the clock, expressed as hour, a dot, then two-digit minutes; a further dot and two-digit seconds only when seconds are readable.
8.02
